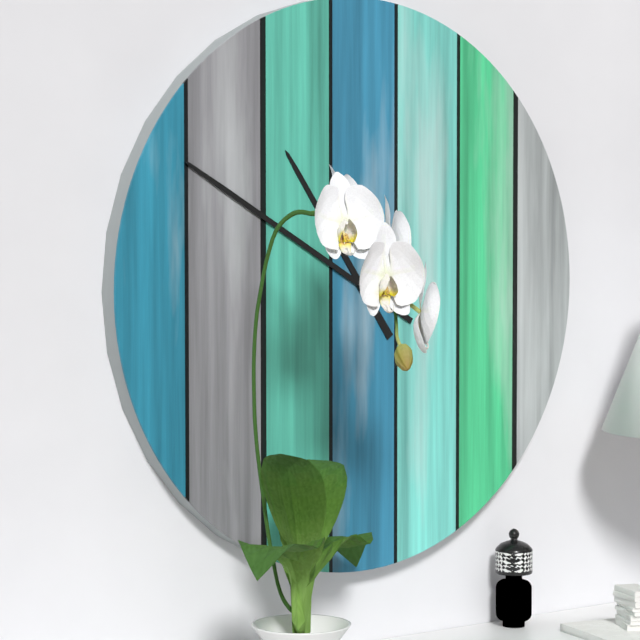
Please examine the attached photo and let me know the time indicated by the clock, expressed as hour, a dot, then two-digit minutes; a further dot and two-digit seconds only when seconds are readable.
10.50
